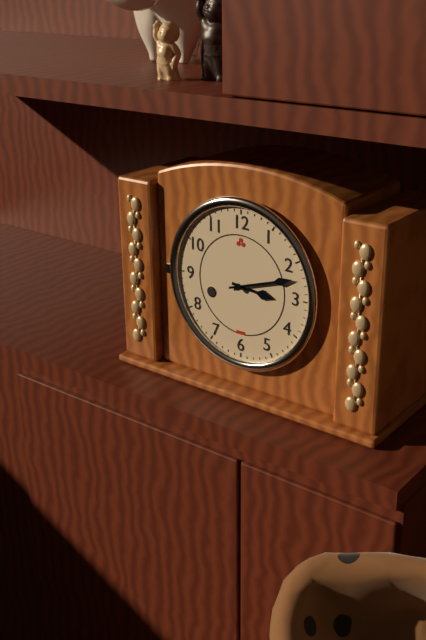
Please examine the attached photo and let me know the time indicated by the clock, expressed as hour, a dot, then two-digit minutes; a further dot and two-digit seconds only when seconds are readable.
3.12
